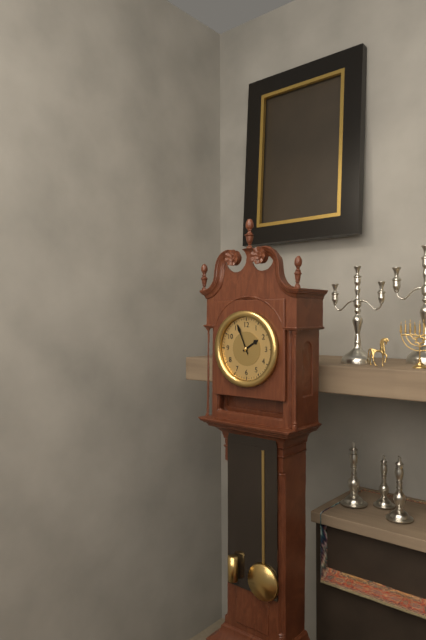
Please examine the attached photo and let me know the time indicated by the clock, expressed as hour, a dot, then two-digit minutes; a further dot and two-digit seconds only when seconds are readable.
1.56
